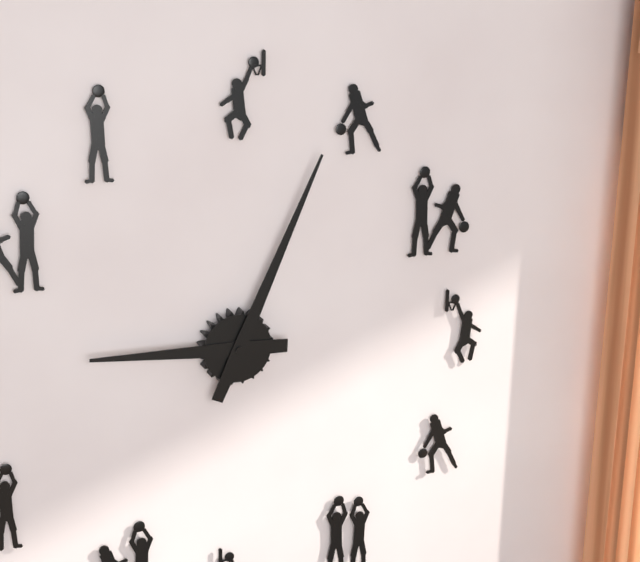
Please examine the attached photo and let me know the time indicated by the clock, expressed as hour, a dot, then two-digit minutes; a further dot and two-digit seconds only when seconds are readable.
9.04
